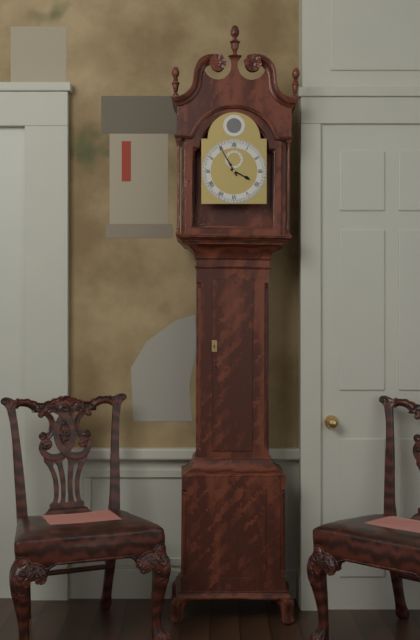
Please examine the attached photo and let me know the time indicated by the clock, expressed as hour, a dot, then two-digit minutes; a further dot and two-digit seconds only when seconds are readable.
3.55
